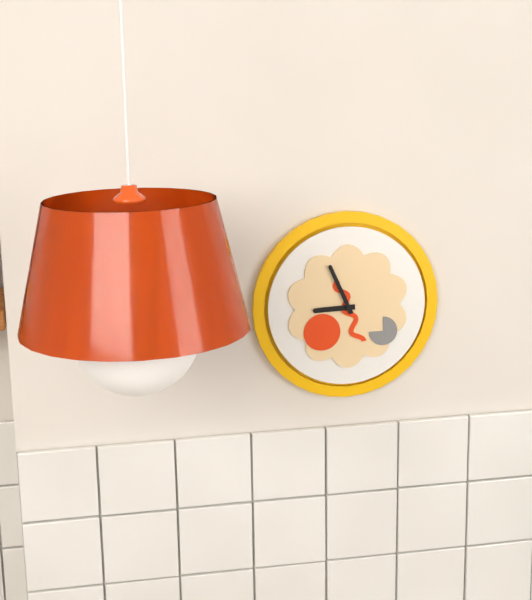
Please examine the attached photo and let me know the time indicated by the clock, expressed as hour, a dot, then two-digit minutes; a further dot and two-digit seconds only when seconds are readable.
8.56
